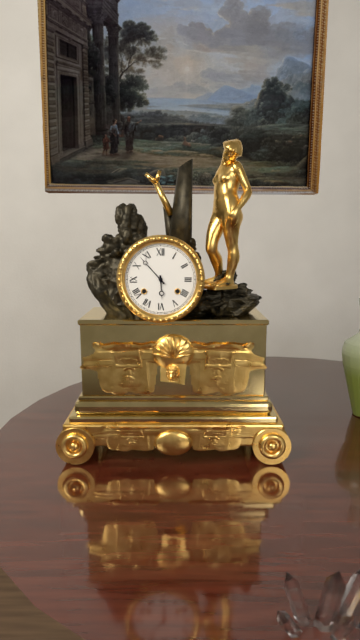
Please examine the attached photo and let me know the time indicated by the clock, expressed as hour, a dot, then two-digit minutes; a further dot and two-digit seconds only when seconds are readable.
5.53
